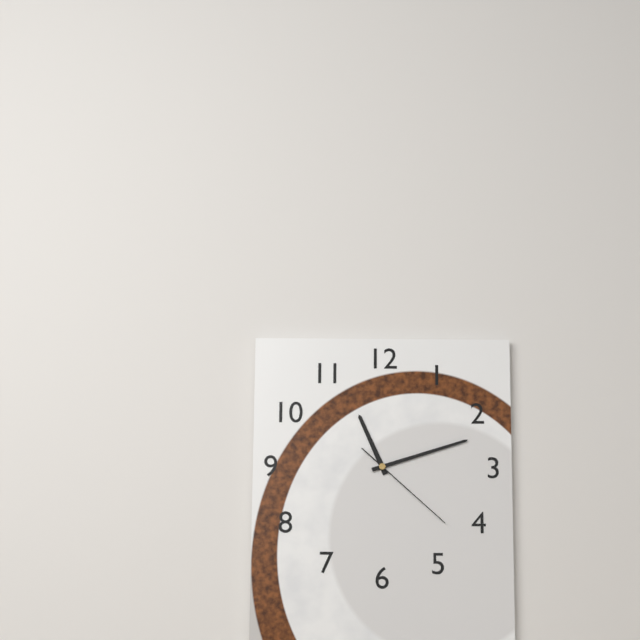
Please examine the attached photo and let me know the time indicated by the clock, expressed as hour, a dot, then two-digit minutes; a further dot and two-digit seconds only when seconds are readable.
11.12.22
